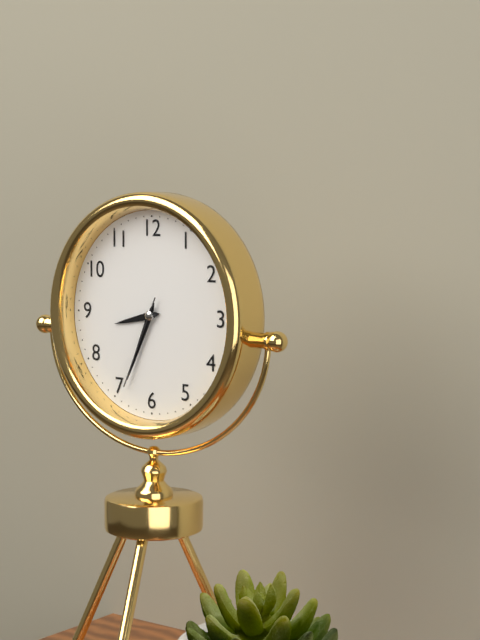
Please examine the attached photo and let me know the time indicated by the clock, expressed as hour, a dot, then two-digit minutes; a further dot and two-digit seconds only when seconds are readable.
8.34.34
